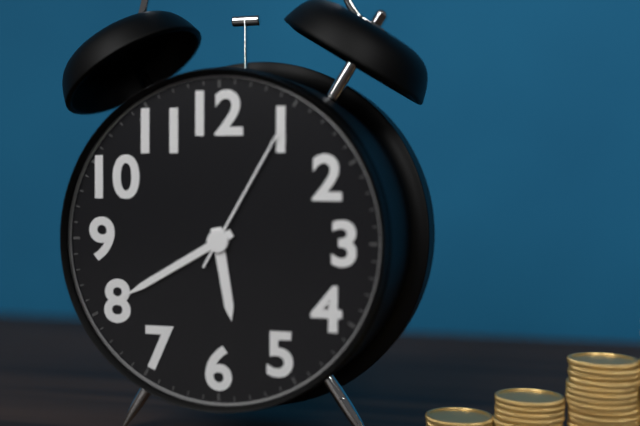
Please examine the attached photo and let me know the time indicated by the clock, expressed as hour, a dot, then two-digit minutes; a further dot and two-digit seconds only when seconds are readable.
5.40.05
